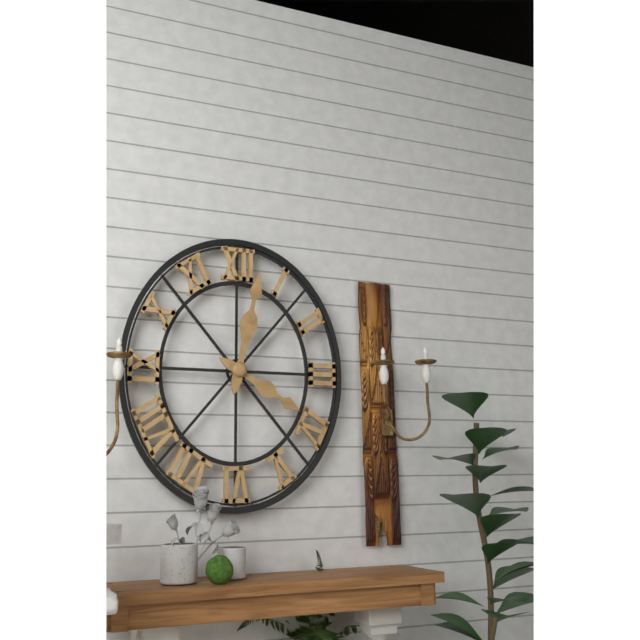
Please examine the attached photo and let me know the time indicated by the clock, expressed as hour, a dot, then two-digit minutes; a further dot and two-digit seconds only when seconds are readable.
4.02
